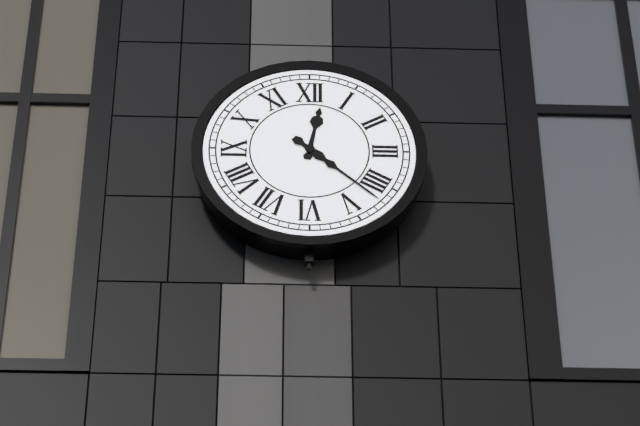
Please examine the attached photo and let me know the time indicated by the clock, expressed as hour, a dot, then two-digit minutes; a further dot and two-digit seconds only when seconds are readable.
12.22
